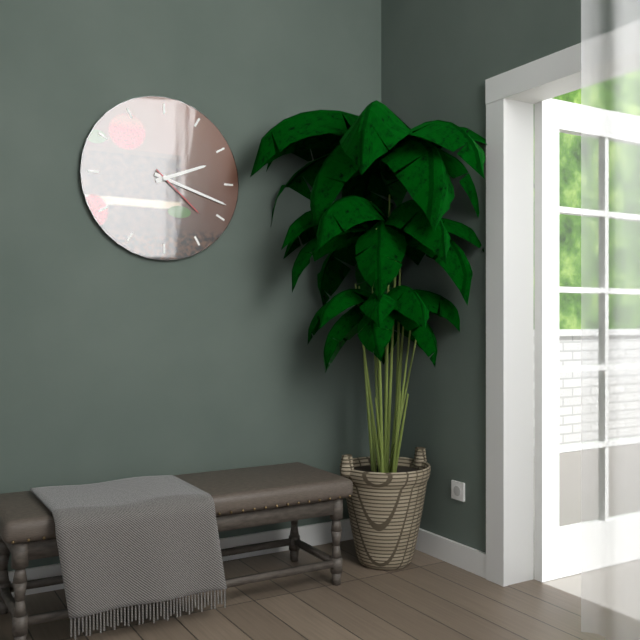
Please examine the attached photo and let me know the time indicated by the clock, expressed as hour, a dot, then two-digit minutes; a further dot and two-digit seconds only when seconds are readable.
2.18.22
